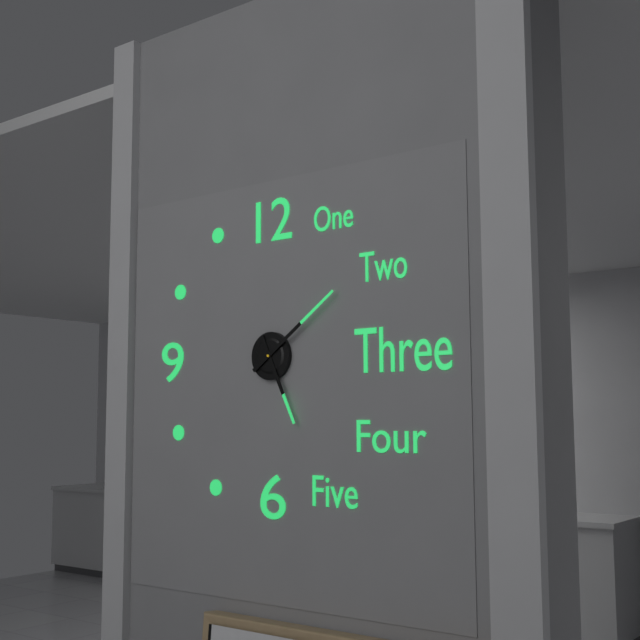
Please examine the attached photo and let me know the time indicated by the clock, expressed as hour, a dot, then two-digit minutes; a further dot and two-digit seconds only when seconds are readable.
5.09
